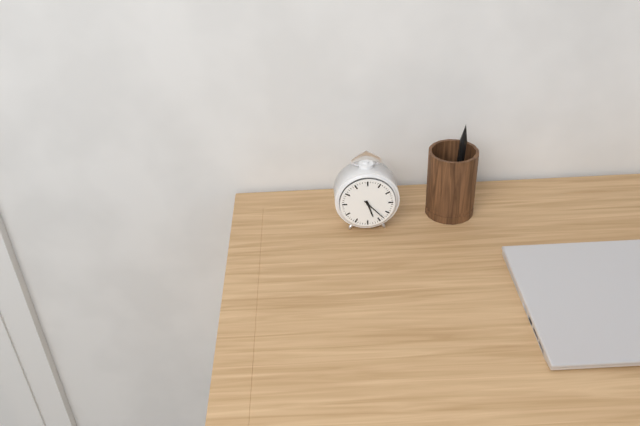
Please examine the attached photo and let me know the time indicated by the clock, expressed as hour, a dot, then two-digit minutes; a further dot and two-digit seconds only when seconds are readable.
5.23
